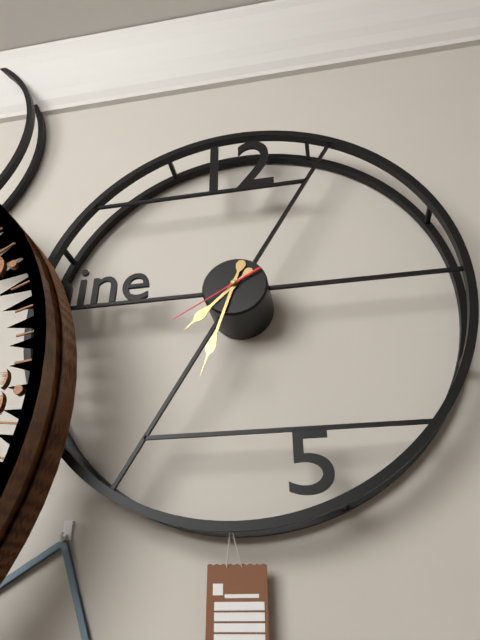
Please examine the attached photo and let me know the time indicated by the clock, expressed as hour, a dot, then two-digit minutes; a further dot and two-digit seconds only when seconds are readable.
7.33.40
